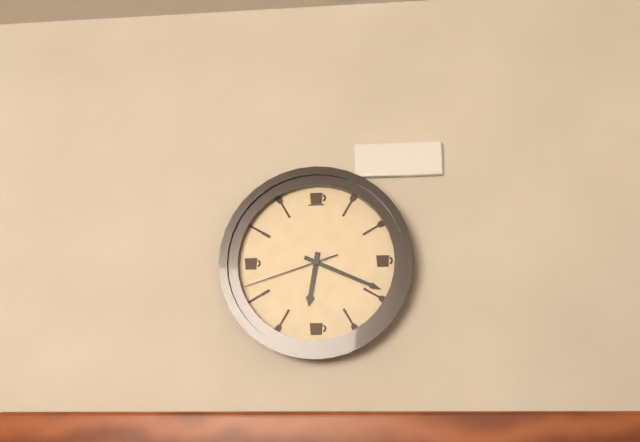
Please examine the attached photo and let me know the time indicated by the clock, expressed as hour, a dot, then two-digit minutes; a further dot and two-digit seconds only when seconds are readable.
6.19.42
